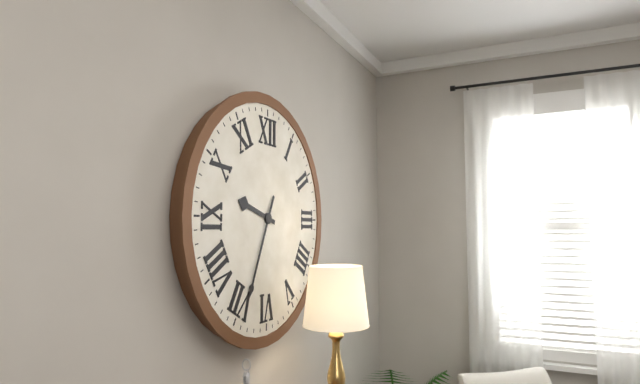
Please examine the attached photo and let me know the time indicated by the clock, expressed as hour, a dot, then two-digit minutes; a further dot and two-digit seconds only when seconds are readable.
9.34
